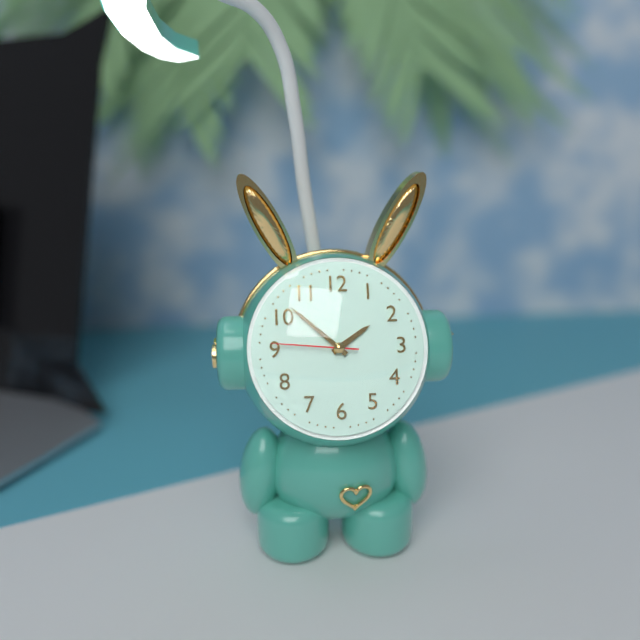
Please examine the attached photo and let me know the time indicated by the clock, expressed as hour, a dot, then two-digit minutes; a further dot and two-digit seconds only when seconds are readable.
1.52.46
